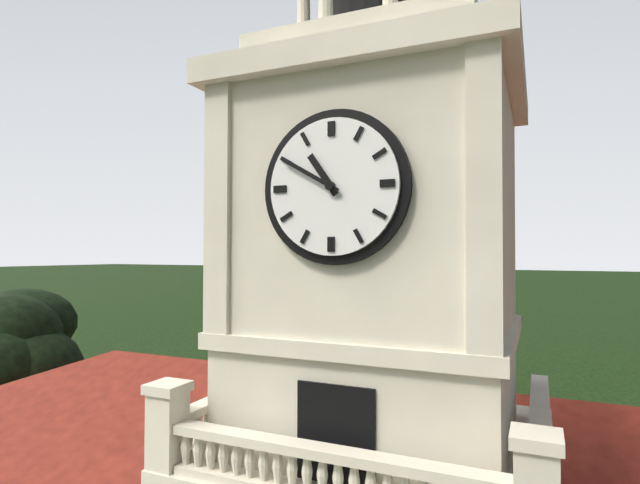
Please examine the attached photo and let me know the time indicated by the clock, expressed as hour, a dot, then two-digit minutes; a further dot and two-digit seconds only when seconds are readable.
10.50
